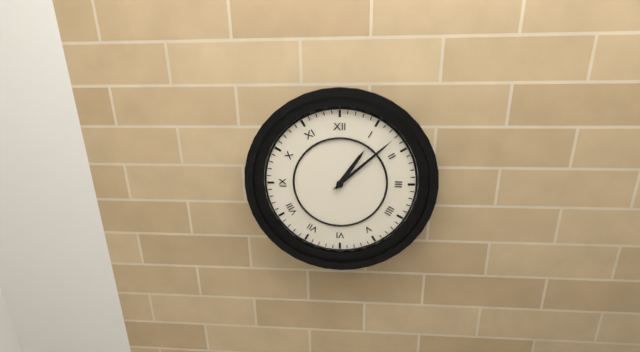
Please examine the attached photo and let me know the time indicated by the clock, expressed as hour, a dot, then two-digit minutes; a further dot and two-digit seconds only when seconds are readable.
1.08
